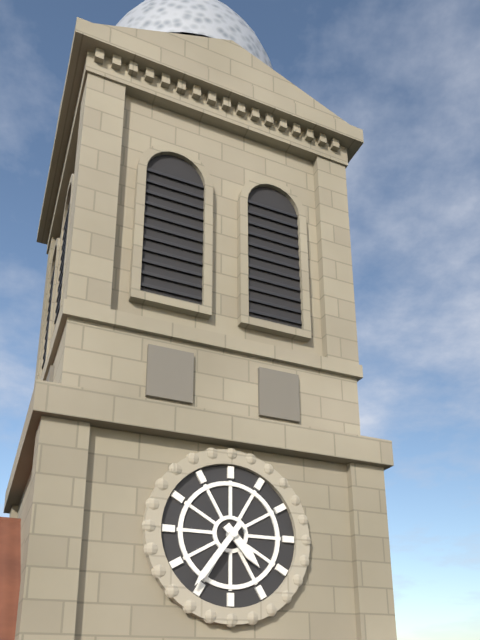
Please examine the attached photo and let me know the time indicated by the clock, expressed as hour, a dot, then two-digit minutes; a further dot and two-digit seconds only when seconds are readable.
4.36
